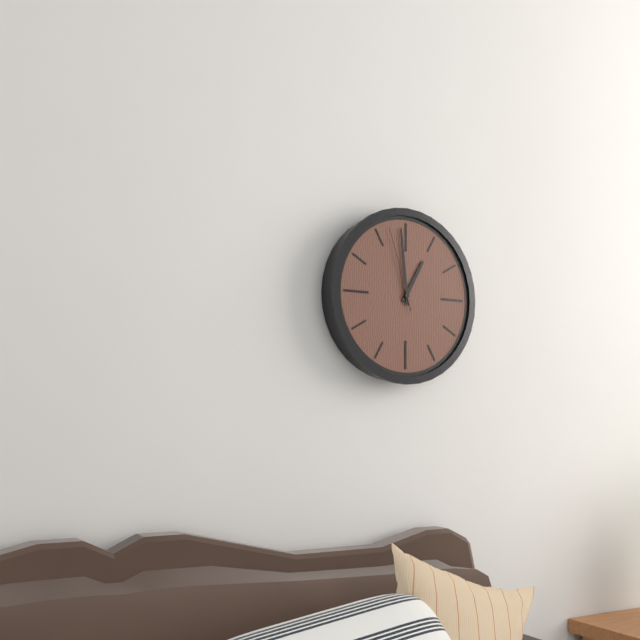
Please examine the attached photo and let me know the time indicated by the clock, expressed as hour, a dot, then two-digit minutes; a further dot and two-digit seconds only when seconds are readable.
12.59.57
